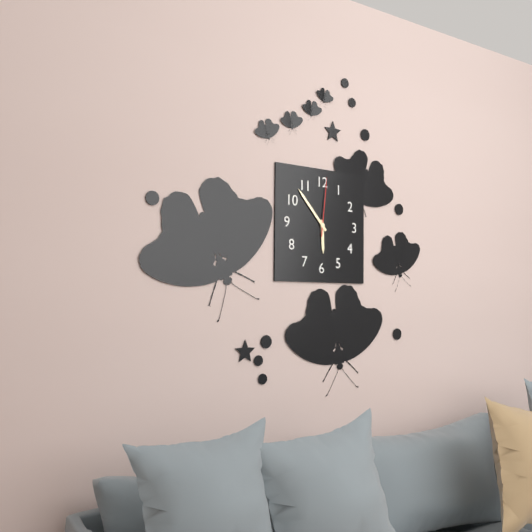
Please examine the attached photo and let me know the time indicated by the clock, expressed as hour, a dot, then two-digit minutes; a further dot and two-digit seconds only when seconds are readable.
5.53.01
